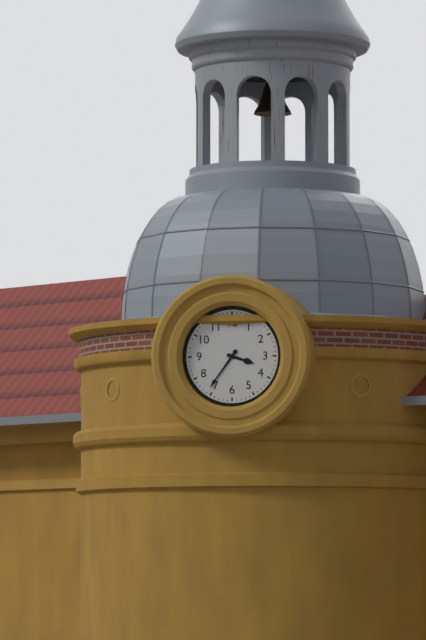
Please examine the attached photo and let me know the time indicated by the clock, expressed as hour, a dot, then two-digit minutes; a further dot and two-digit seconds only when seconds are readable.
3.36
